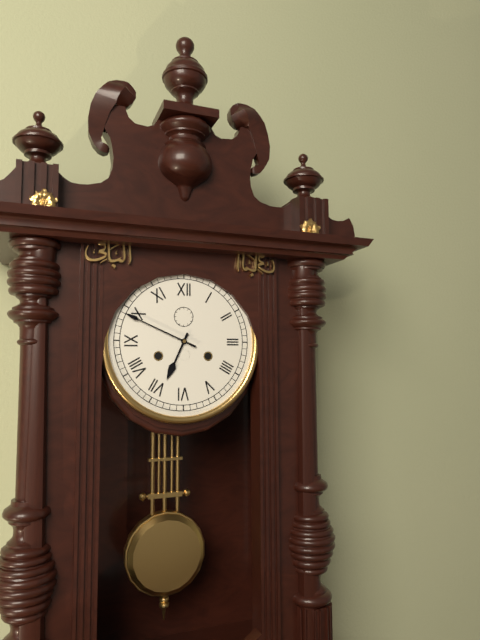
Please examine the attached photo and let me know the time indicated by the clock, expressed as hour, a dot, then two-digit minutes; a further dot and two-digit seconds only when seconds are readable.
6.49
